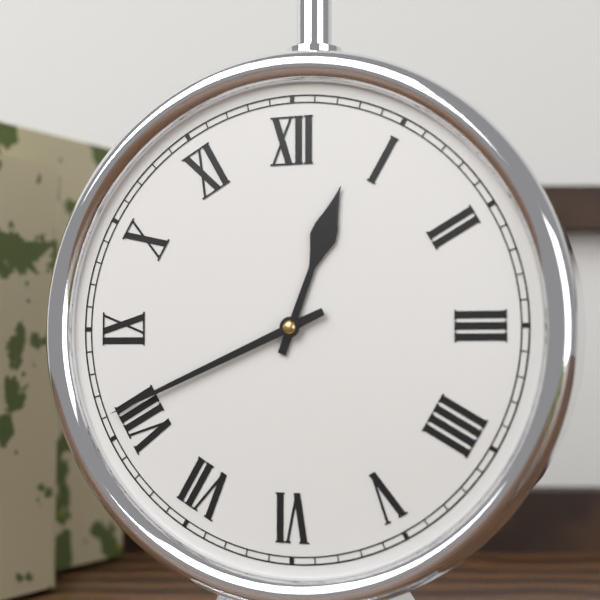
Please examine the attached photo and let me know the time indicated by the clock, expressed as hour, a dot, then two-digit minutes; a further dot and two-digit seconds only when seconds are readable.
12.41
